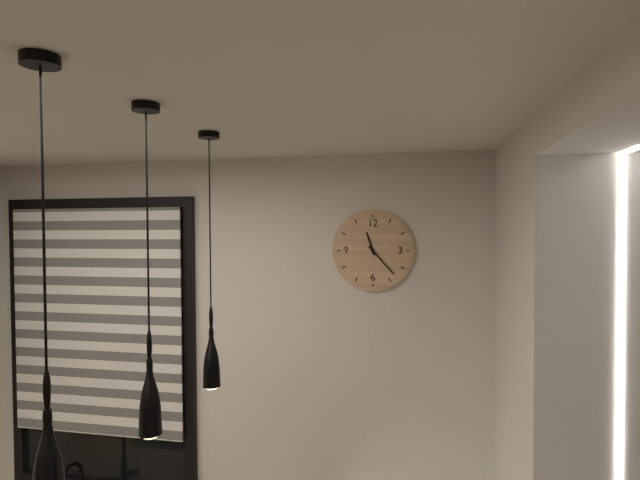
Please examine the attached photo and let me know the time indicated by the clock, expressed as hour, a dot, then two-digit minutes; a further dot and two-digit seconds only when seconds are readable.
11.23
